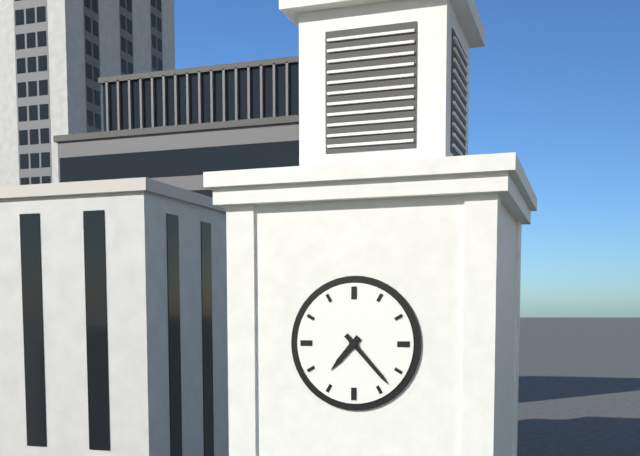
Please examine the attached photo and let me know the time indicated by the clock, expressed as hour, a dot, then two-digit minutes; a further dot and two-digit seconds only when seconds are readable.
7.23
